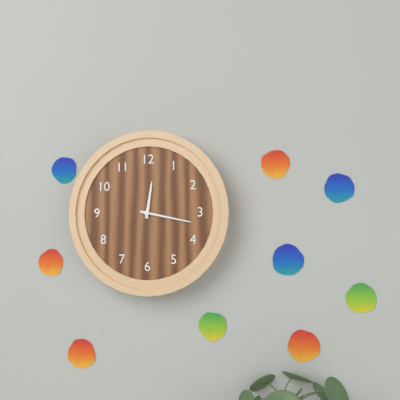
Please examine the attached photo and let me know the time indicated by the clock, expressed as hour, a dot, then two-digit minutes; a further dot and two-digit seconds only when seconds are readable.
12.17
